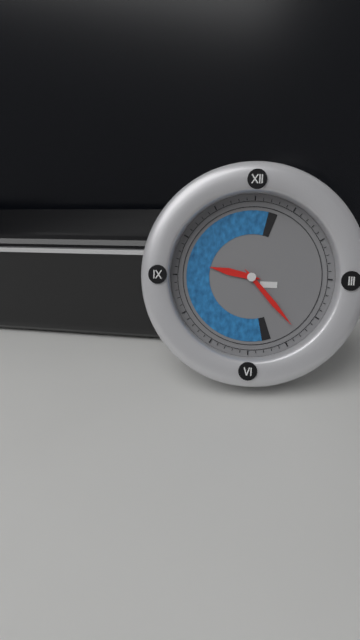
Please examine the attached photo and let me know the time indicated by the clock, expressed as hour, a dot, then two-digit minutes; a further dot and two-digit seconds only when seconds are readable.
9.23
